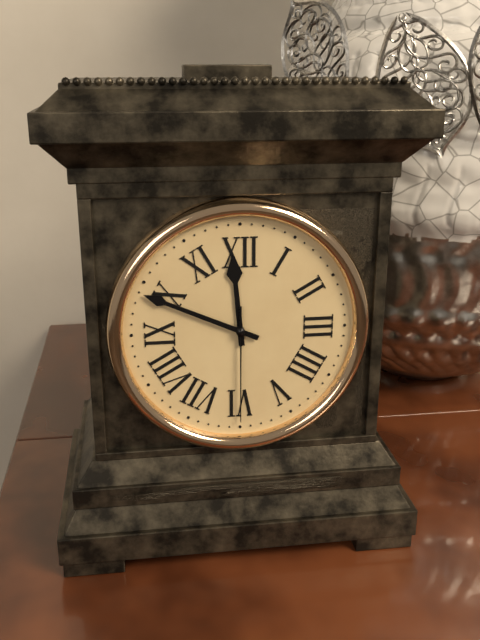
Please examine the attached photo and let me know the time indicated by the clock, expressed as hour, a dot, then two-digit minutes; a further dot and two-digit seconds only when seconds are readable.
11.49.30
